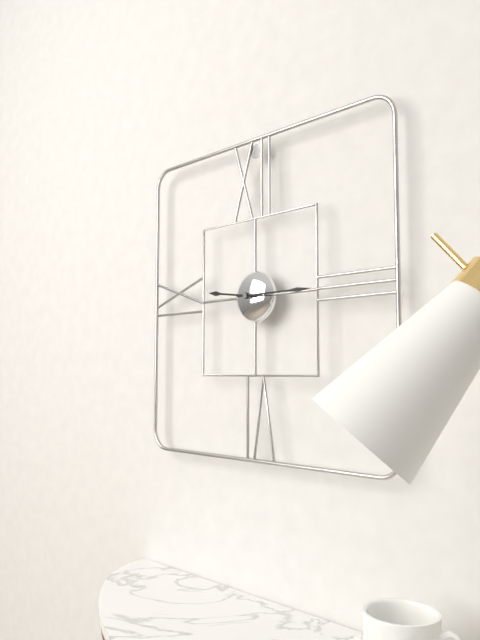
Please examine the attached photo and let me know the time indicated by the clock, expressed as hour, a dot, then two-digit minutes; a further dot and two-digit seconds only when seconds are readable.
9.15
